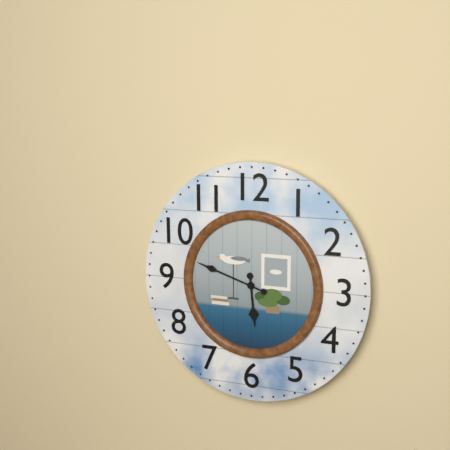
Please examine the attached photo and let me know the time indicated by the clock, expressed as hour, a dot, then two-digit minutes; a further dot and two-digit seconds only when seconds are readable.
5.48
